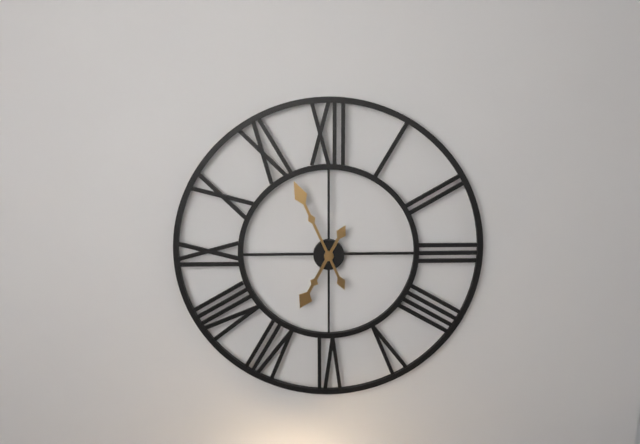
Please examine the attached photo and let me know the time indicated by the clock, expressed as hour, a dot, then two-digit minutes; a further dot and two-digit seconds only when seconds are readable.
6.56
